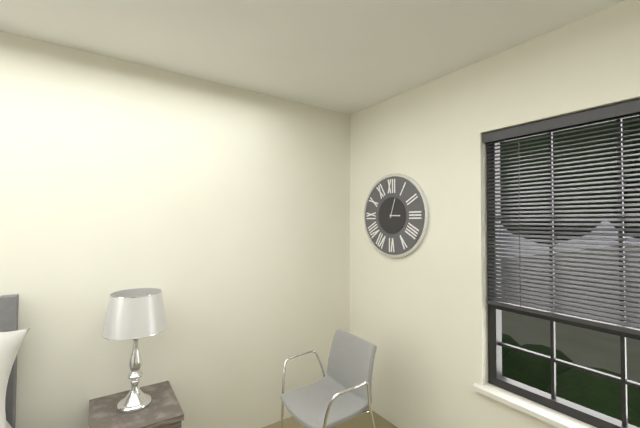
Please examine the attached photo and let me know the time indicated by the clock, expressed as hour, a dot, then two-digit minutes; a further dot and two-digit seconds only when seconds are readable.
3.03
